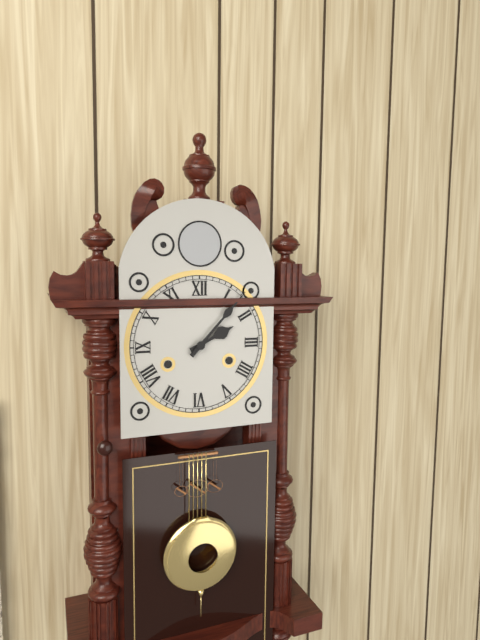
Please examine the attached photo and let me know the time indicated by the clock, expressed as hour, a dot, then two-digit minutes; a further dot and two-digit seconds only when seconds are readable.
2.07
